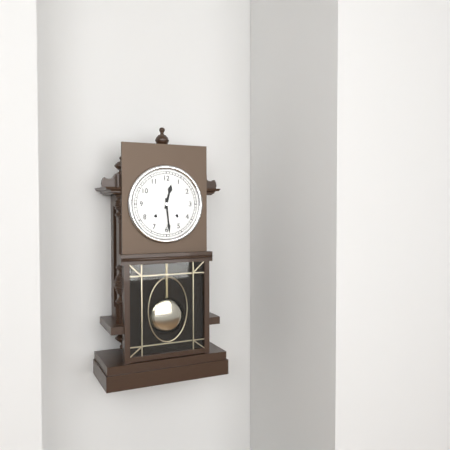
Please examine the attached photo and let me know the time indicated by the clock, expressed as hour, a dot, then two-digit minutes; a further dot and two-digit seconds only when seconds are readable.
12.29
